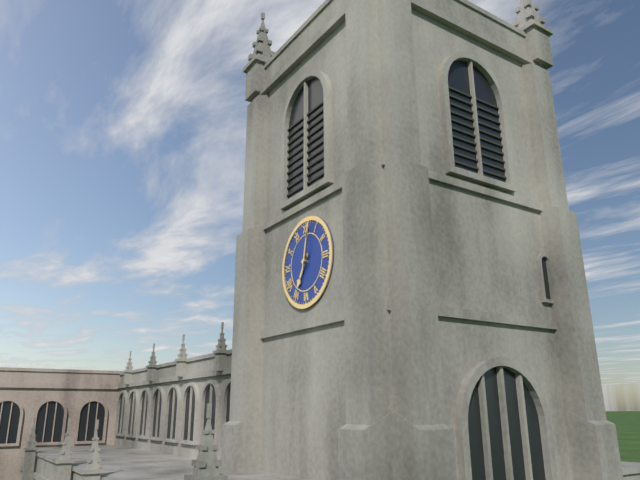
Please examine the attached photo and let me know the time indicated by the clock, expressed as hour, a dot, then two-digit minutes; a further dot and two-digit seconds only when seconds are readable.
7.02
